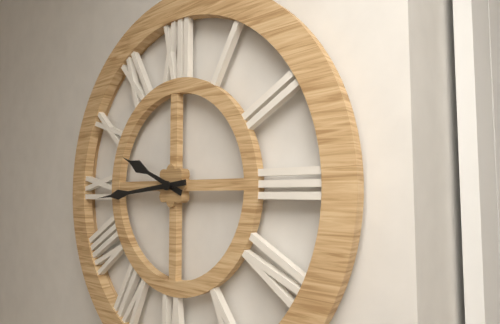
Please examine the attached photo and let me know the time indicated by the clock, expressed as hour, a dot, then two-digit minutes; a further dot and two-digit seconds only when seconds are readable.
9.44
